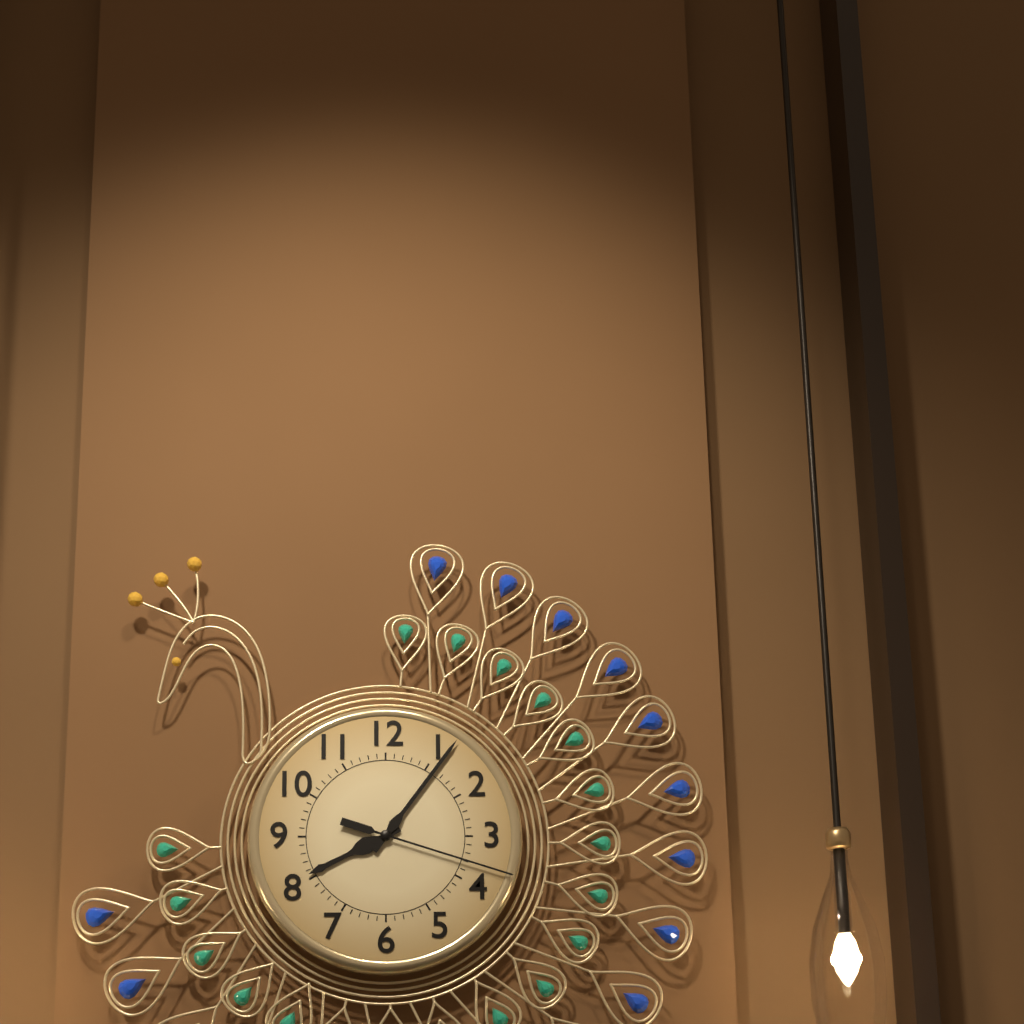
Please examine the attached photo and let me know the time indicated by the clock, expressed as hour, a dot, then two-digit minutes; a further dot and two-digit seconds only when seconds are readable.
8.06.18
